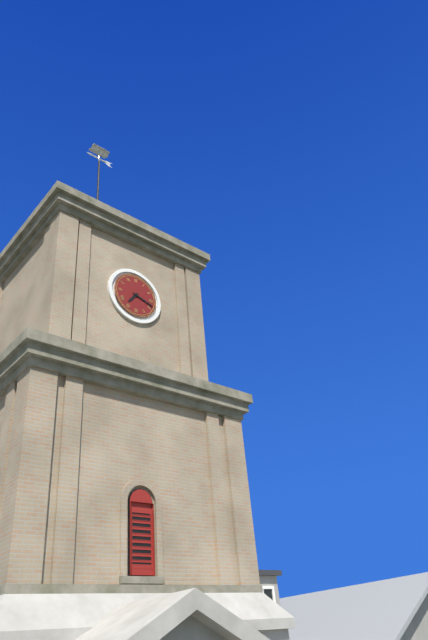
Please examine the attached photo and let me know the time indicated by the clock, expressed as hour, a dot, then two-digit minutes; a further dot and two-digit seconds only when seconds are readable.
7.18
